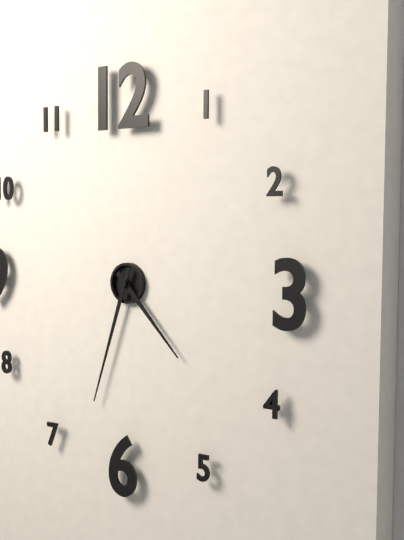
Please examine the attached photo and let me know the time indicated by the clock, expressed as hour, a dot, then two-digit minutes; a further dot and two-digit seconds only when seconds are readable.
4.33
